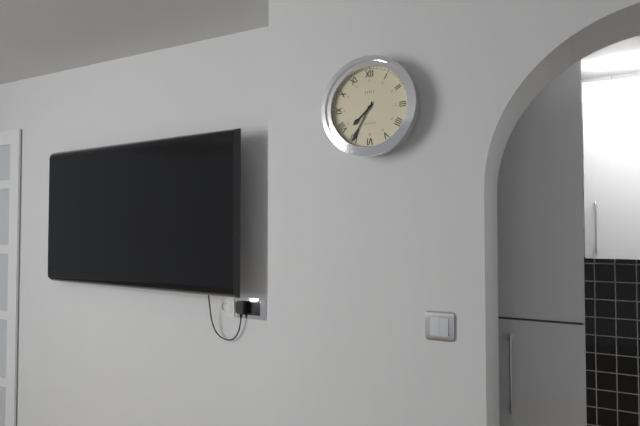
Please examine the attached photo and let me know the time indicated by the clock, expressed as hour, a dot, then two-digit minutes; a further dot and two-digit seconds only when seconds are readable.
7.35
